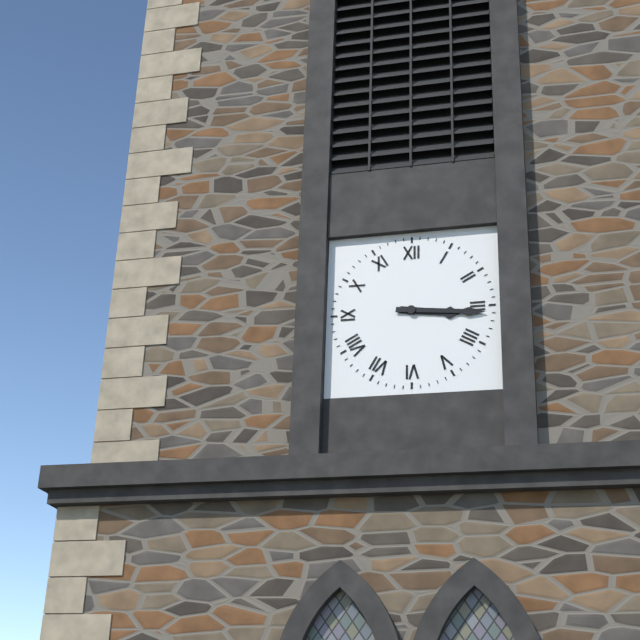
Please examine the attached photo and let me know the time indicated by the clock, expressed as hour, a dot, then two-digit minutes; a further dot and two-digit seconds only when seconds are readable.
3.16
